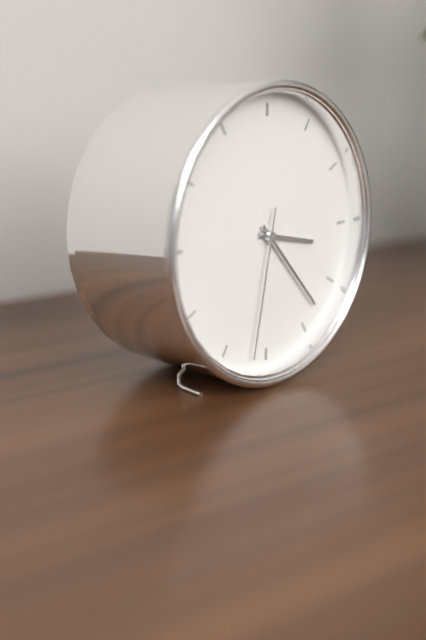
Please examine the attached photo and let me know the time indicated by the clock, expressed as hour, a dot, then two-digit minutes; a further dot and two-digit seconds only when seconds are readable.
3.23.32
